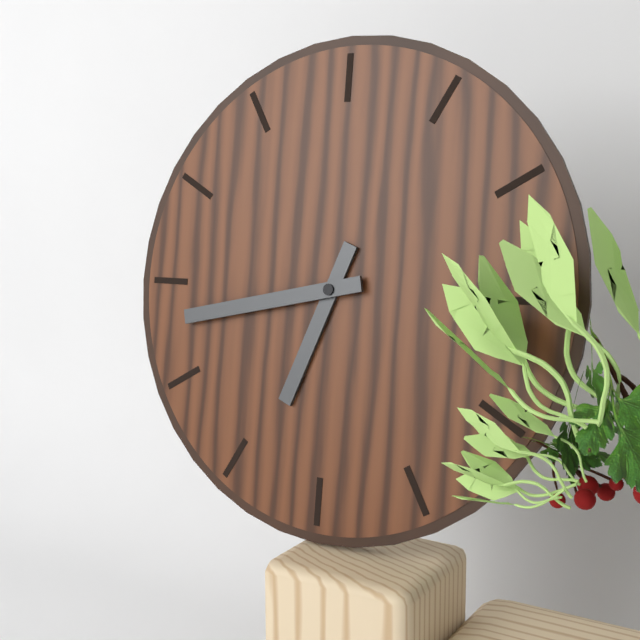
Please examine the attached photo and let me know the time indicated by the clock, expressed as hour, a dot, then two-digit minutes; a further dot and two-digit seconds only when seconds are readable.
6.43
